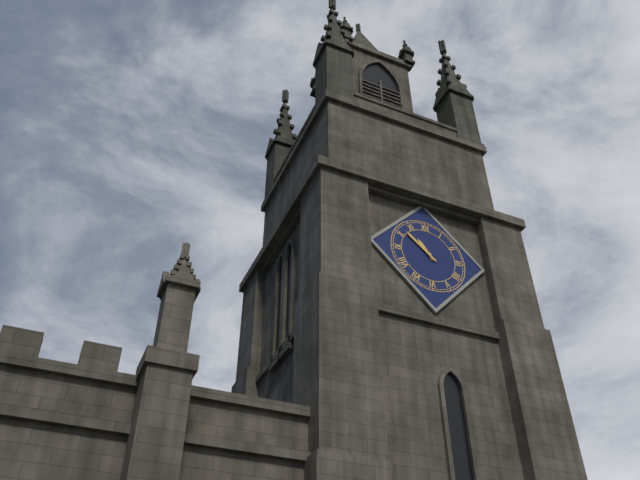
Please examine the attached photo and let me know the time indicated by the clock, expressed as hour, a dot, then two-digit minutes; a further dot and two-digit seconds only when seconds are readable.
10.52
